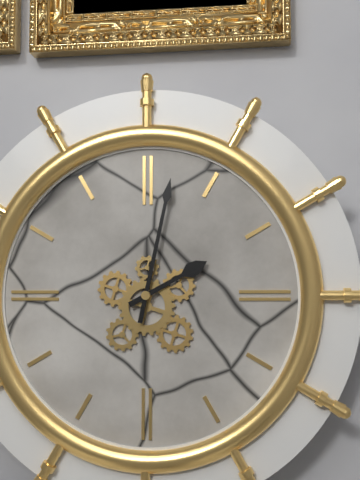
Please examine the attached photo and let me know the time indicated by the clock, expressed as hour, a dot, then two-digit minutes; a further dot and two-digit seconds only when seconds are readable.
2.02
